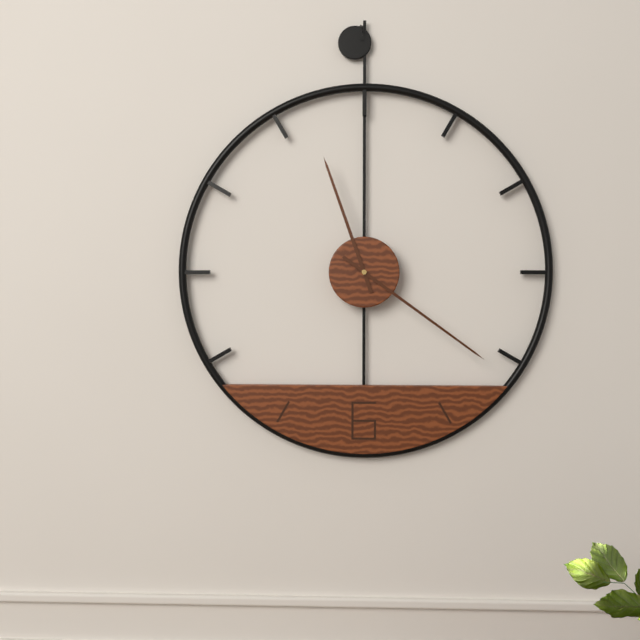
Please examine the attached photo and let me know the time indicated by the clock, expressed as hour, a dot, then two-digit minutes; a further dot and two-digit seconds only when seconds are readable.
11.21
